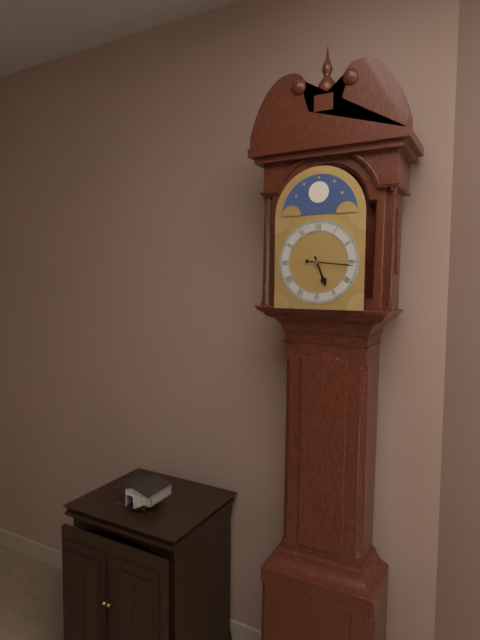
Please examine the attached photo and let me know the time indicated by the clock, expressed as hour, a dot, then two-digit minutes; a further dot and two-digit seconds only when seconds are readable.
5.16
